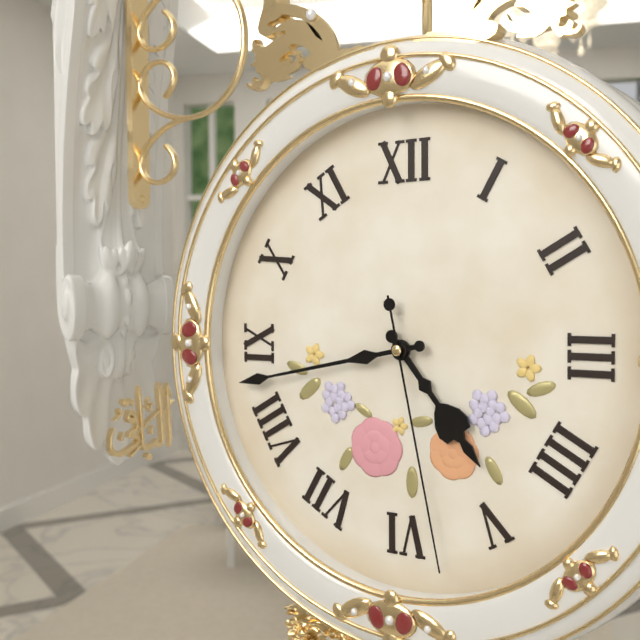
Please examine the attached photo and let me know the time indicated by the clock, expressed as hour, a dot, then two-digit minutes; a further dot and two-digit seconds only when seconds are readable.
4.43.28
